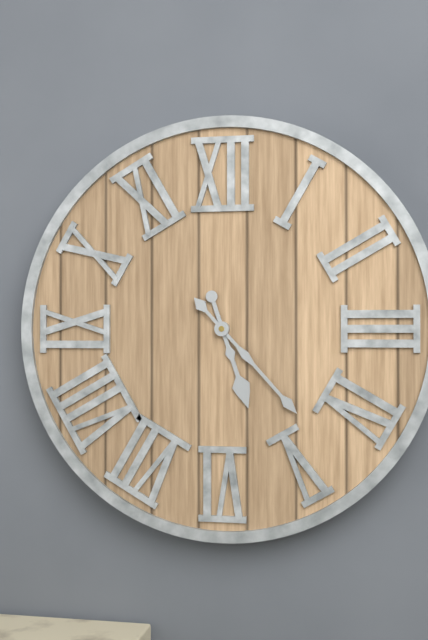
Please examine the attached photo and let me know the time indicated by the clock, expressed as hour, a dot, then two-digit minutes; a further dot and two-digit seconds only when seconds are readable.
5.23
